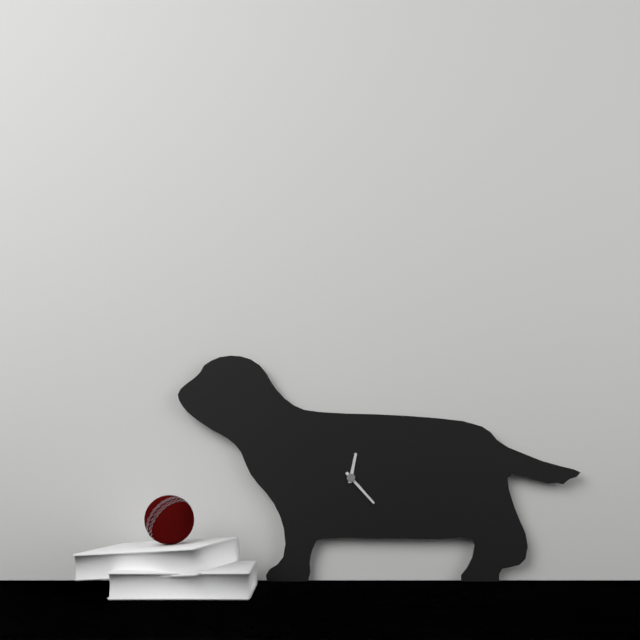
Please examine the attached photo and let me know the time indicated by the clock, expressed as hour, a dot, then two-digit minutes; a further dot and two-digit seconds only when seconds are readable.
12.23
